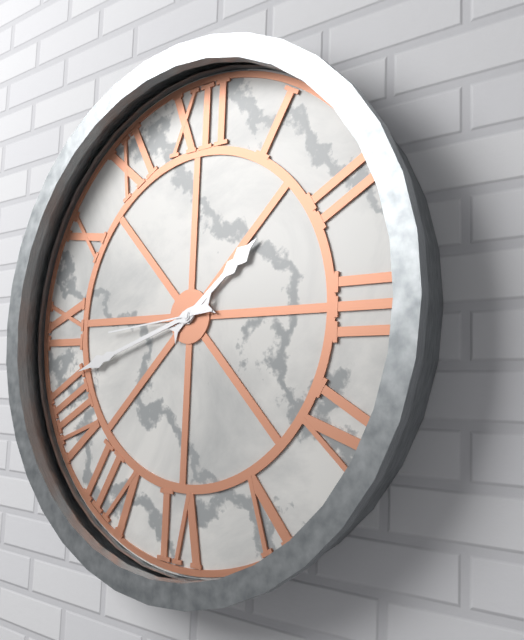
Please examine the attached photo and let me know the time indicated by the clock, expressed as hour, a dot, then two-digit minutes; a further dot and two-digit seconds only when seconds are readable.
1.42.44
